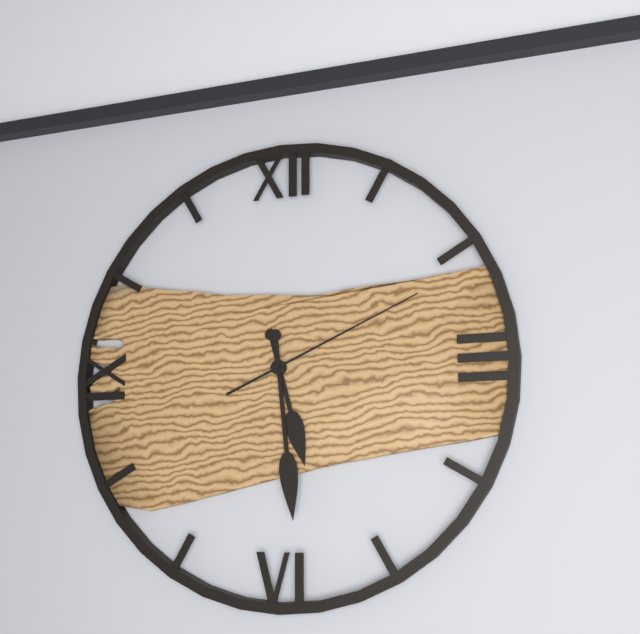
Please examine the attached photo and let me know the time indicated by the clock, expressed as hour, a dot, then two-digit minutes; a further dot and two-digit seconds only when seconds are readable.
5.29.11
